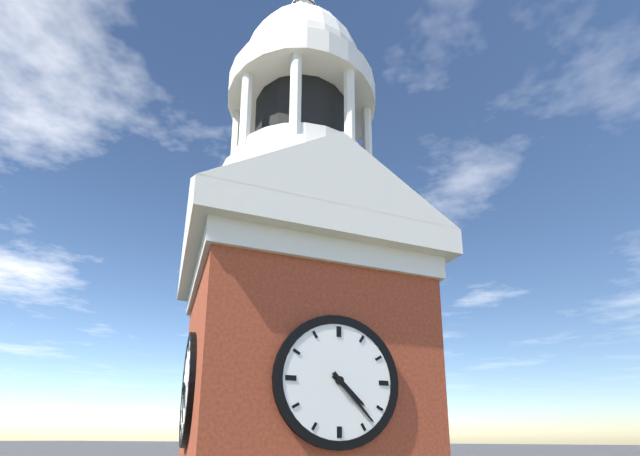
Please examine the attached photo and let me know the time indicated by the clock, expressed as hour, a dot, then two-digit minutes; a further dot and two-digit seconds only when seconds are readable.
4.23
